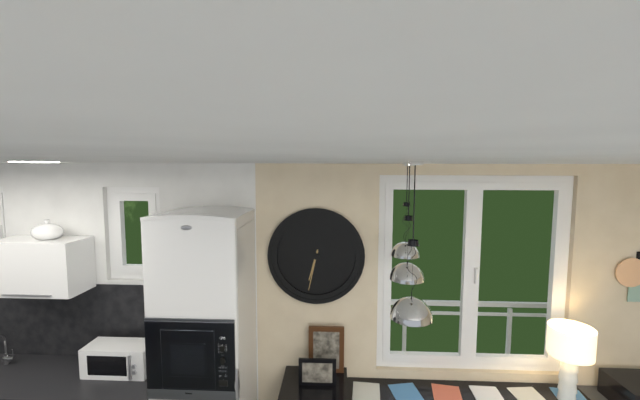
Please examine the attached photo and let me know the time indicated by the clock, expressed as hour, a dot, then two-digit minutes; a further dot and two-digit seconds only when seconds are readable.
6.32
